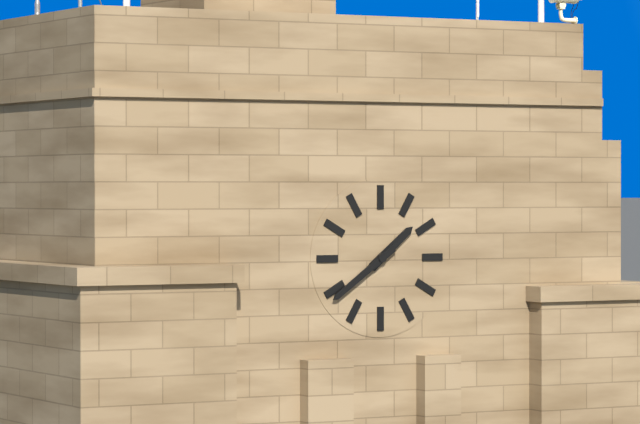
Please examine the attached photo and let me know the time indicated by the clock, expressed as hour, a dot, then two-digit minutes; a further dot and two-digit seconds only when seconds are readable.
1.39
